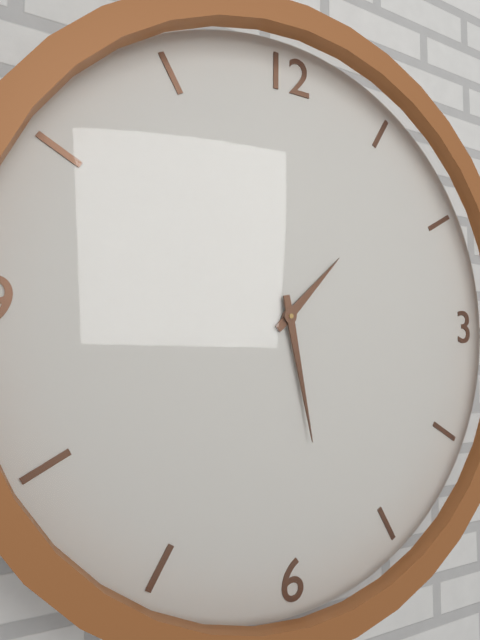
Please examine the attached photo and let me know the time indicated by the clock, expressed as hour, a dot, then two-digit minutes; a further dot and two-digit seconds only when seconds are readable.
1.28
